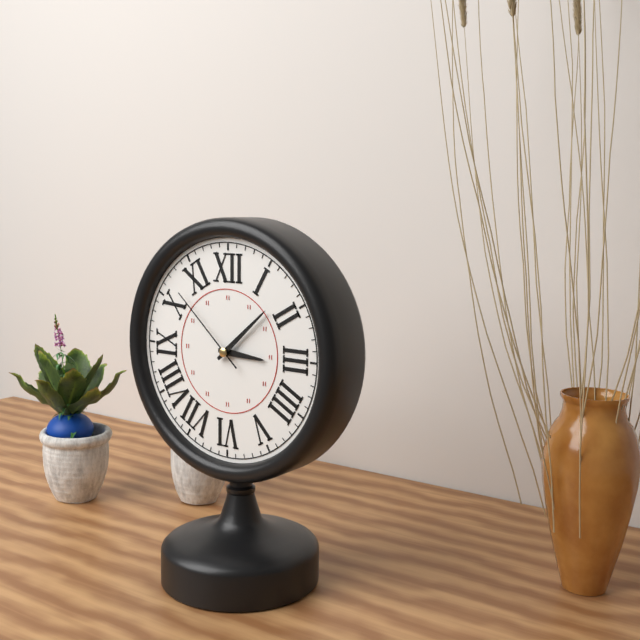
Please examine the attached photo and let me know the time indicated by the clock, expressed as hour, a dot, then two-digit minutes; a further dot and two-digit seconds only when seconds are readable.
3.08.52
